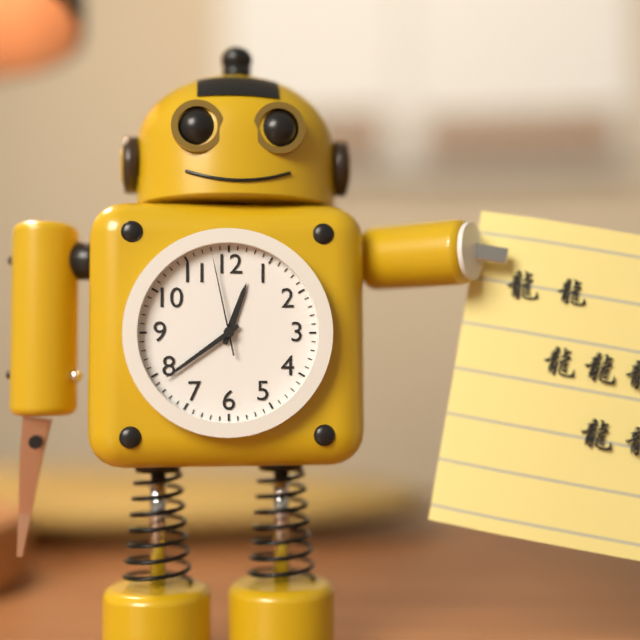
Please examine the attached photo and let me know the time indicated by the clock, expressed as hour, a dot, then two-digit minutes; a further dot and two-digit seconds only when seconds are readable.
12.39.58
